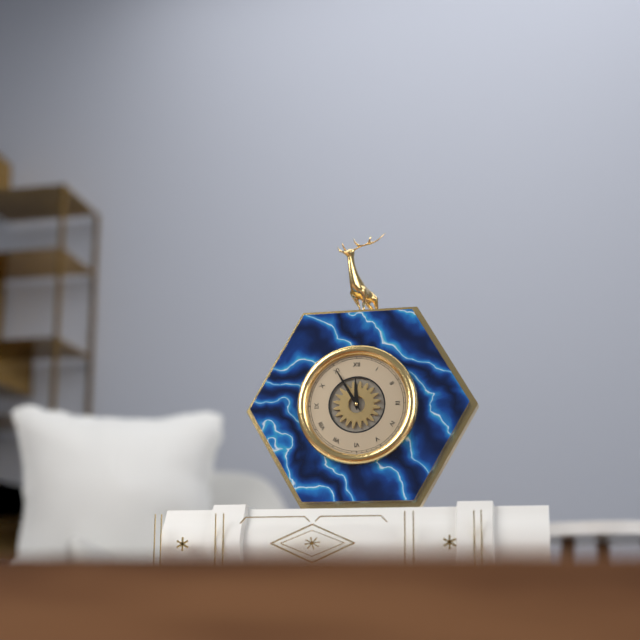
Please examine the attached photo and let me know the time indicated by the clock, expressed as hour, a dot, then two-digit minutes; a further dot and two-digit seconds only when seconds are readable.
11.55
